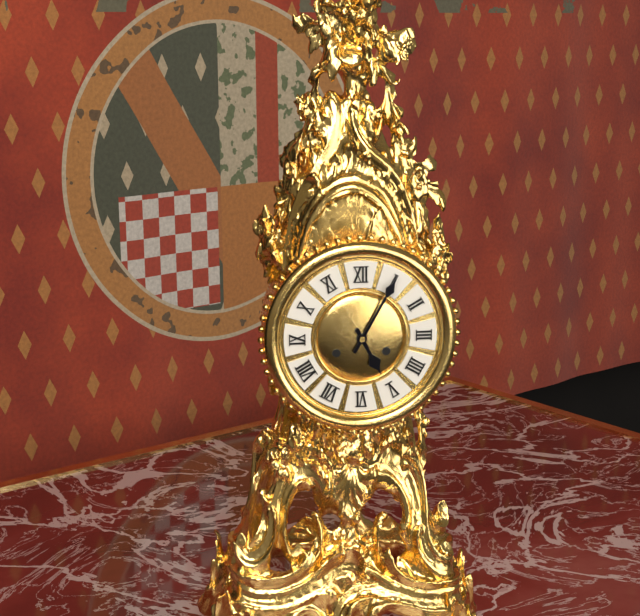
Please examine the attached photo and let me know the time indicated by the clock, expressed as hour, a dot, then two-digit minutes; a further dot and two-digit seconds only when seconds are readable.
5.05
